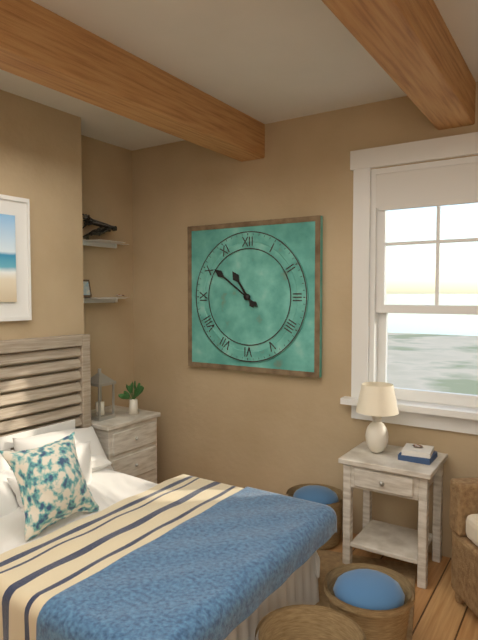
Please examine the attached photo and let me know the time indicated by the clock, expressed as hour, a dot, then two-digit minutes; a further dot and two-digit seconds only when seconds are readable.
10.51
